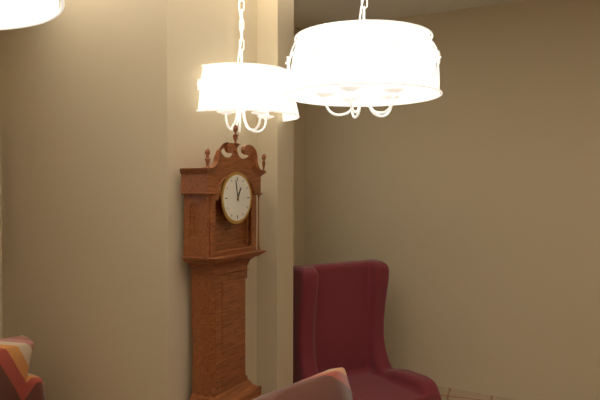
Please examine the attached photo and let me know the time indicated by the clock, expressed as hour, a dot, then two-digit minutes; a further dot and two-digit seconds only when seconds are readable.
12.58
